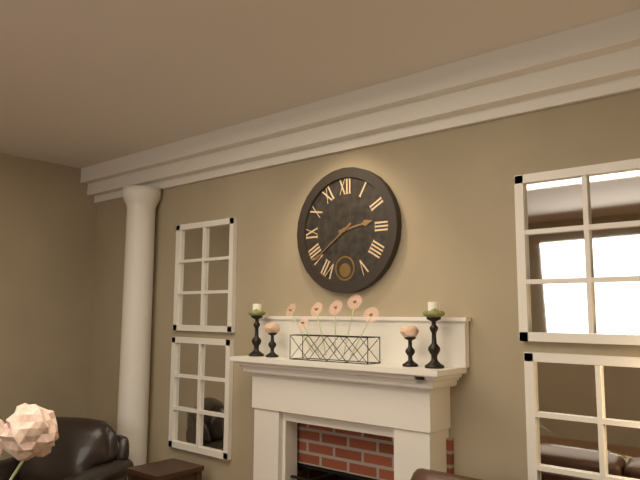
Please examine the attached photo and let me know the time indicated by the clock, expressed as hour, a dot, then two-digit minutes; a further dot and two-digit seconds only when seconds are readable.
2.39
